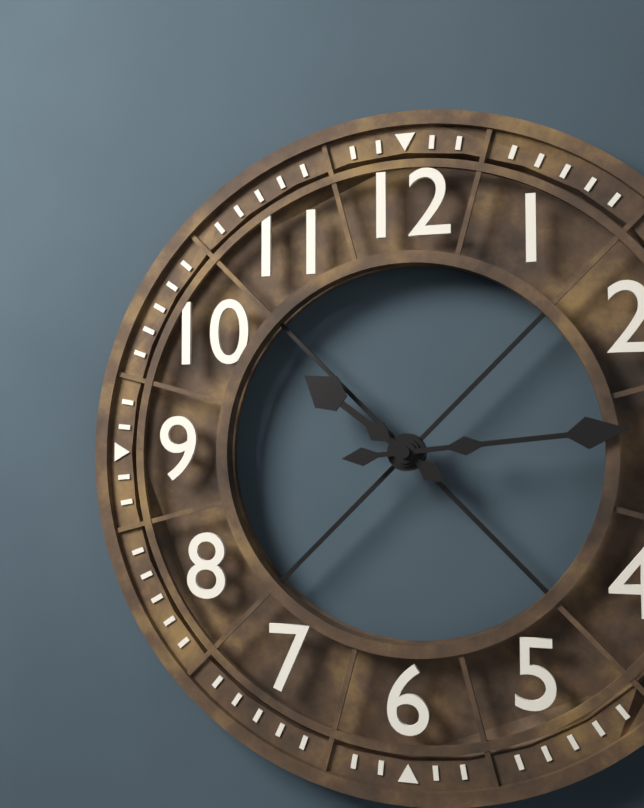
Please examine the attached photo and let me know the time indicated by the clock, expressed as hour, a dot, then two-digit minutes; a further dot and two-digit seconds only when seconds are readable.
10.14
